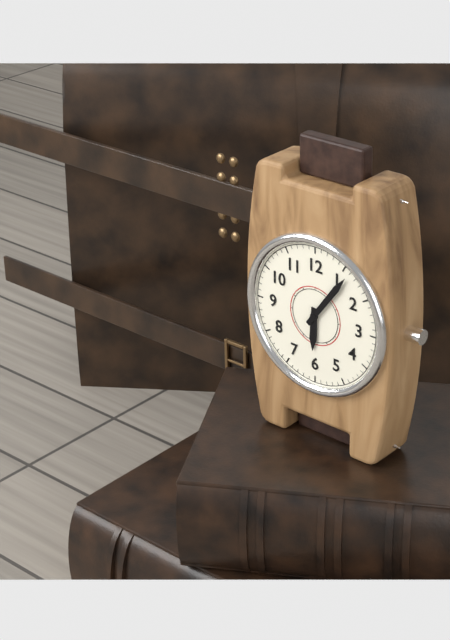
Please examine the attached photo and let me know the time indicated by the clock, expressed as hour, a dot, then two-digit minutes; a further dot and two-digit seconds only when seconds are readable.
6.06
